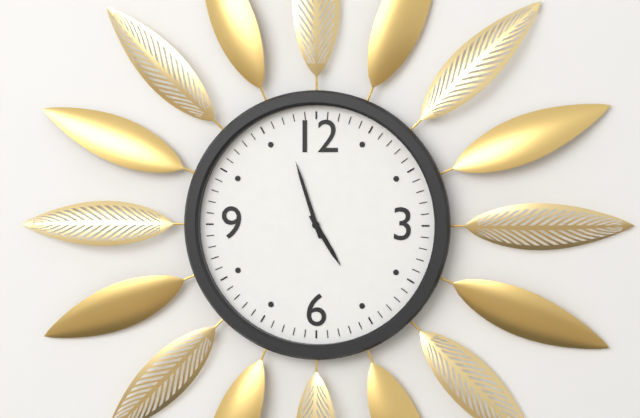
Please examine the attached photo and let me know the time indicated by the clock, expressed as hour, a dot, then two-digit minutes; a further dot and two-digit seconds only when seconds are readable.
4.57
